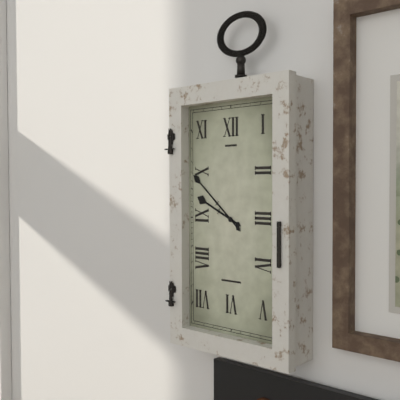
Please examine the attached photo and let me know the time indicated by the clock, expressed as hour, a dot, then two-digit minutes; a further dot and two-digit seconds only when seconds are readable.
9.52
